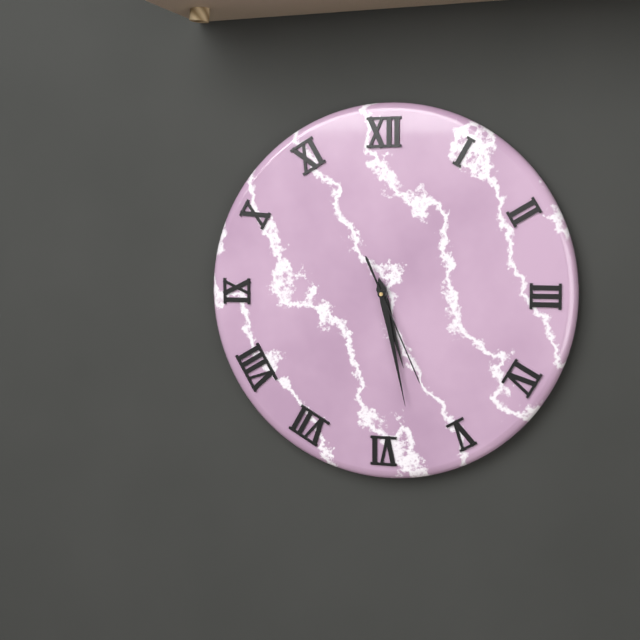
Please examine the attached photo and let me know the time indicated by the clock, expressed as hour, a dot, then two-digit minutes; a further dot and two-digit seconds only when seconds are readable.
5.28.26
